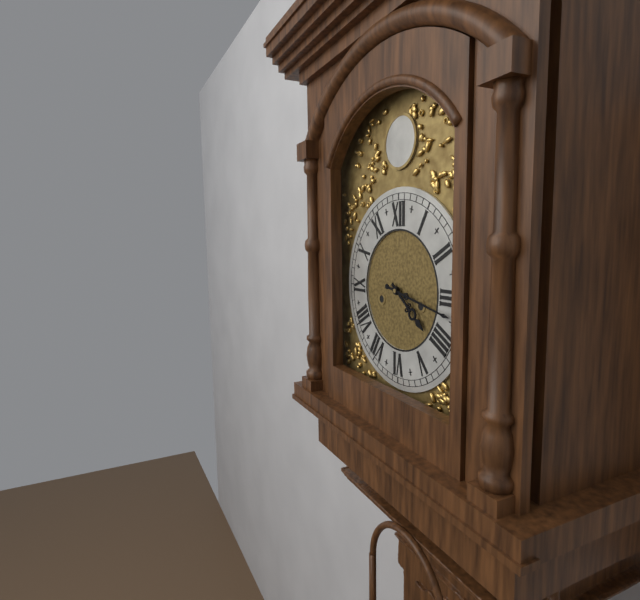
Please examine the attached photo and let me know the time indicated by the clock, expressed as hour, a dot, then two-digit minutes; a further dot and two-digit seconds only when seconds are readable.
4.17
